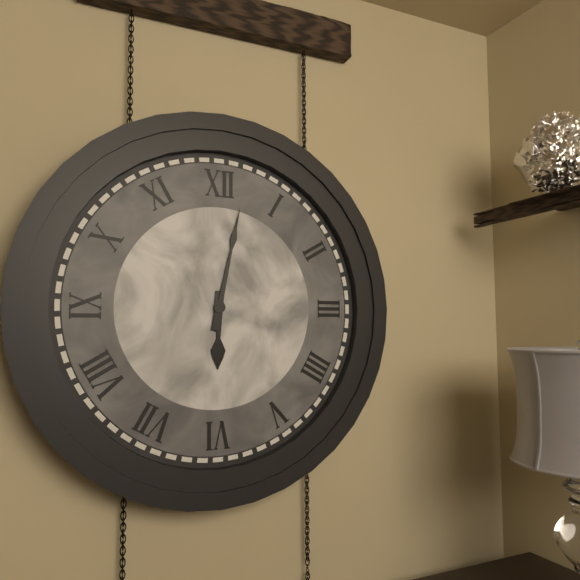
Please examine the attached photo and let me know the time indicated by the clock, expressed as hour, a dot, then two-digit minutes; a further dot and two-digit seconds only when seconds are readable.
6.02
